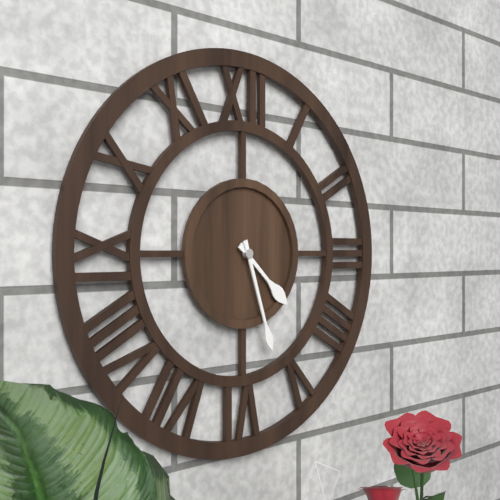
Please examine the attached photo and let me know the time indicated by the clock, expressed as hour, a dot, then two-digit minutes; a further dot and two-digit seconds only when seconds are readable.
4.27
